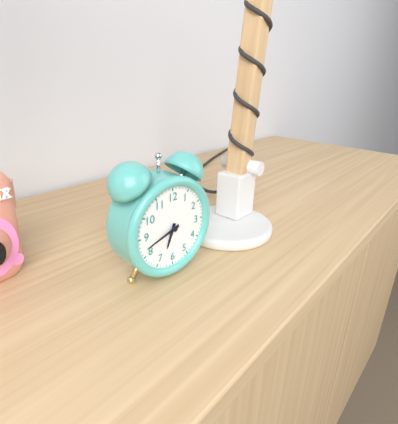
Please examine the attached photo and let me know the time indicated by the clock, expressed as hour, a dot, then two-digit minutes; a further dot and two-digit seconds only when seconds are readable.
6.42
